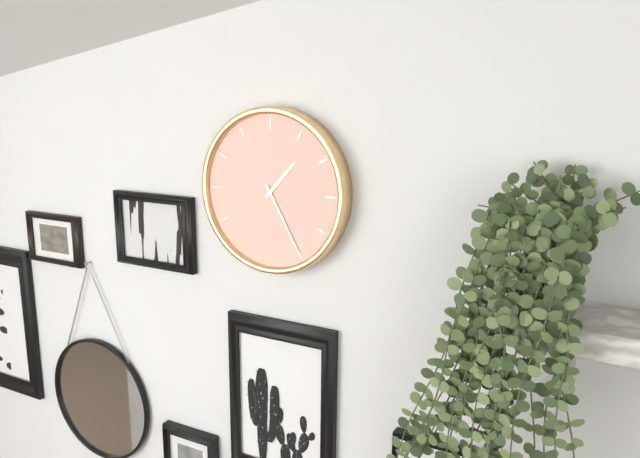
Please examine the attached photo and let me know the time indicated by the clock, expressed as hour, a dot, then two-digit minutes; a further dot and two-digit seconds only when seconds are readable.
1.25
